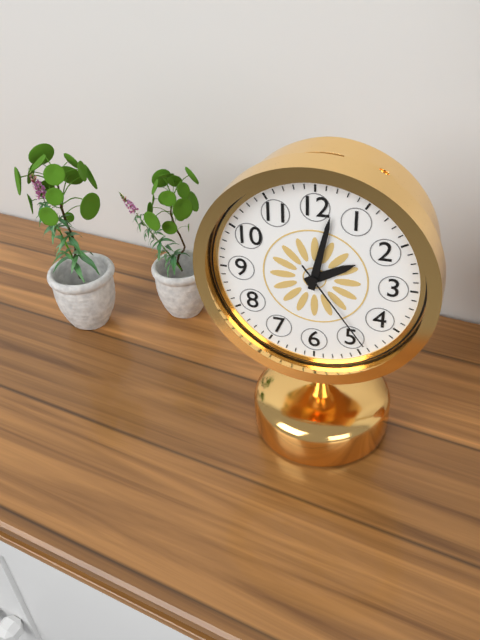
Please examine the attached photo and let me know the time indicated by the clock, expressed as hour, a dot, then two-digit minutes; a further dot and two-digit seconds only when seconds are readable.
2.02.24
